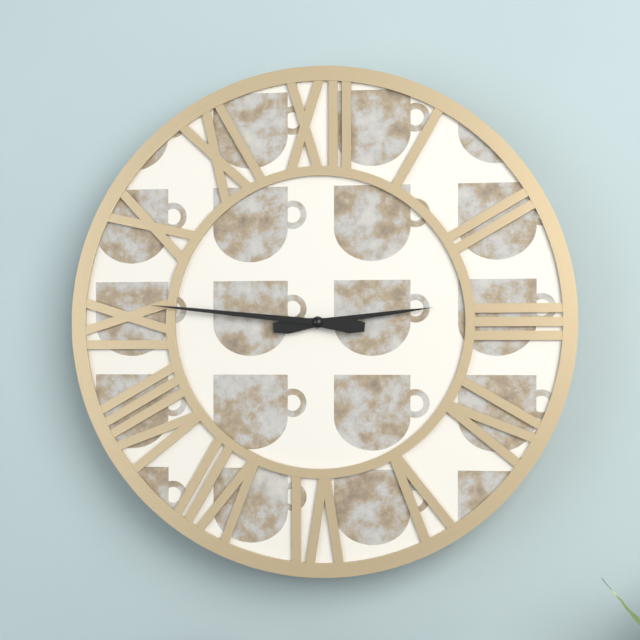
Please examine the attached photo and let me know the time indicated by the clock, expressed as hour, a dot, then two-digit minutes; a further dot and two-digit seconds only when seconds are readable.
2.46
